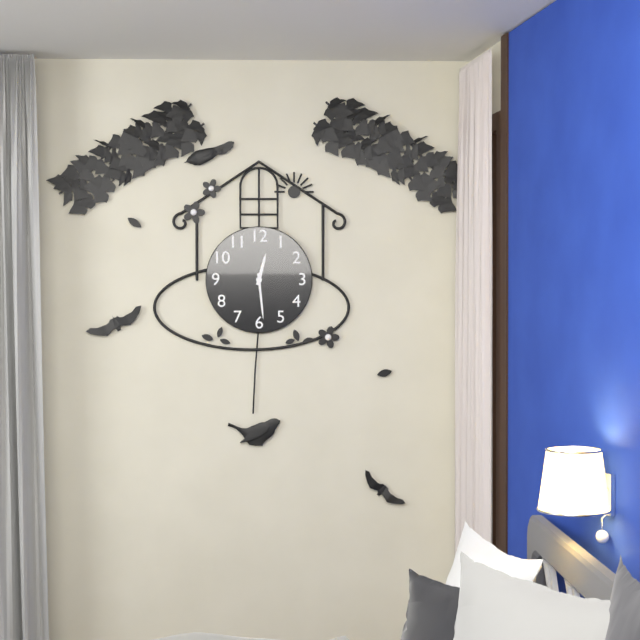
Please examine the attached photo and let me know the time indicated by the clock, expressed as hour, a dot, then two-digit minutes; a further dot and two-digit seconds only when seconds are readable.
12.29
